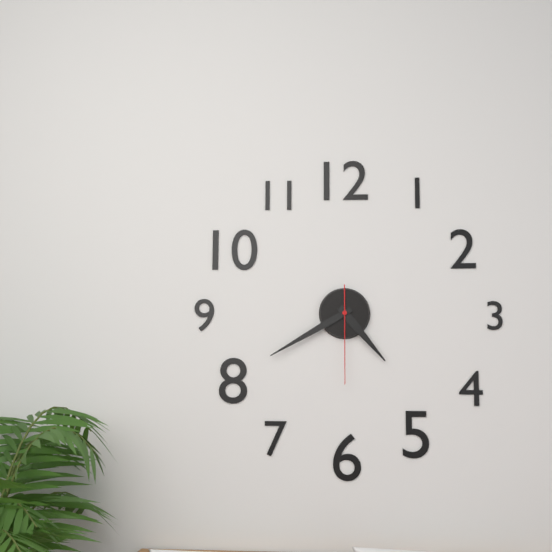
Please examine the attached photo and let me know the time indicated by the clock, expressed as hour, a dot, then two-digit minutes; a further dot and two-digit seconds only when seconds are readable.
4.40.30
